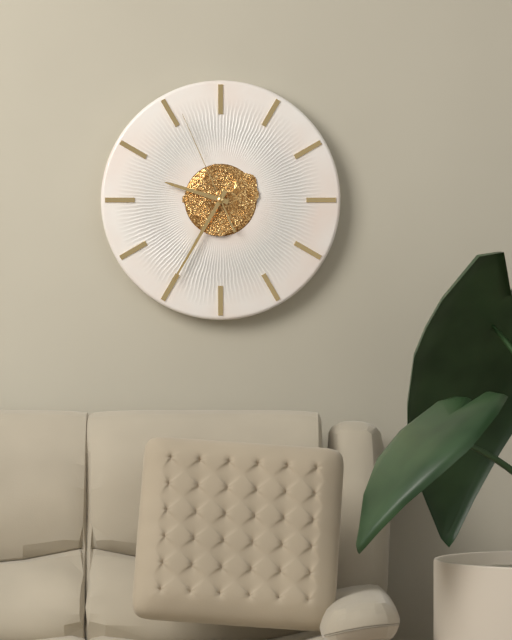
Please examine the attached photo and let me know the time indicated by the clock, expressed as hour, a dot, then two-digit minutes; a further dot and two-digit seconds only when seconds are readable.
9.35.56
